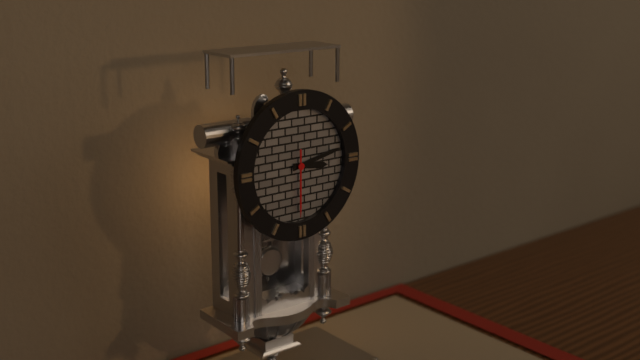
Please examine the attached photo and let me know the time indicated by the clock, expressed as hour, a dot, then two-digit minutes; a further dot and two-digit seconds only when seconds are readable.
3.13.30
